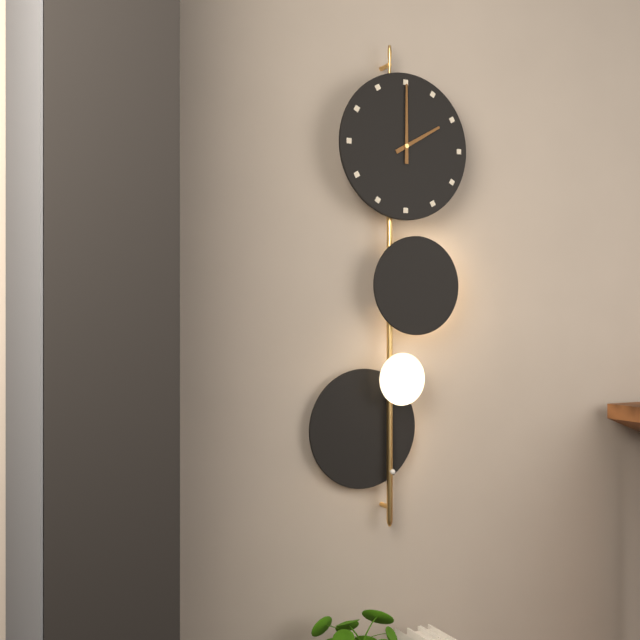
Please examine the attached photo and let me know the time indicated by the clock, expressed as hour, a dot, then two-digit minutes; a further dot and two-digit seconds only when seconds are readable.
2.00
